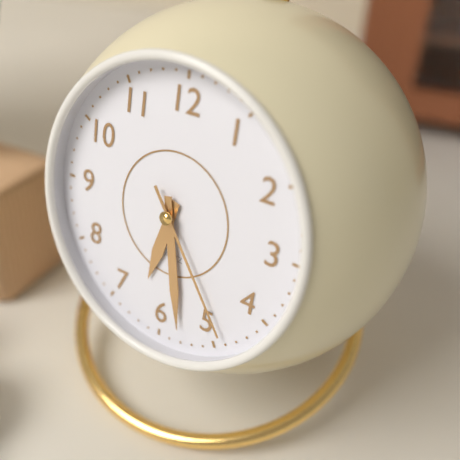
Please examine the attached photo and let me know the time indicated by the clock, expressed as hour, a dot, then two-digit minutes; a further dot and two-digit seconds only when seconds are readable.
6.28.24
